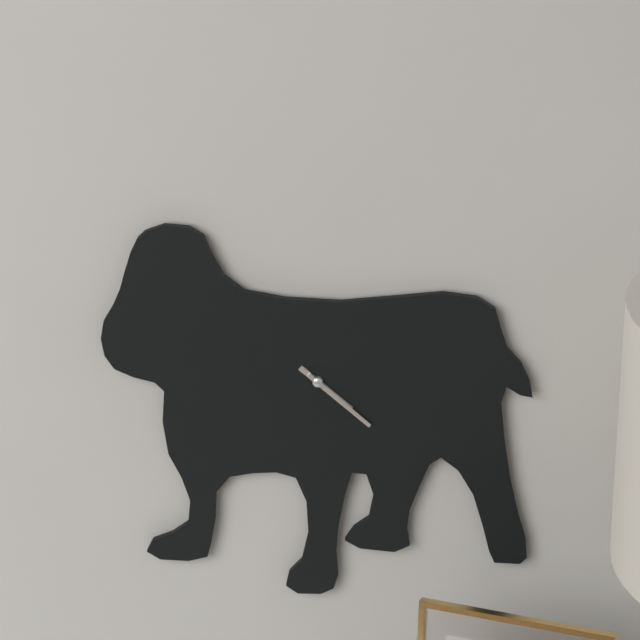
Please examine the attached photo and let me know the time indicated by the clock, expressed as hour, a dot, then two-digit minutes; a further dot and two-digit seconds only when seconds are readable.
4.22
